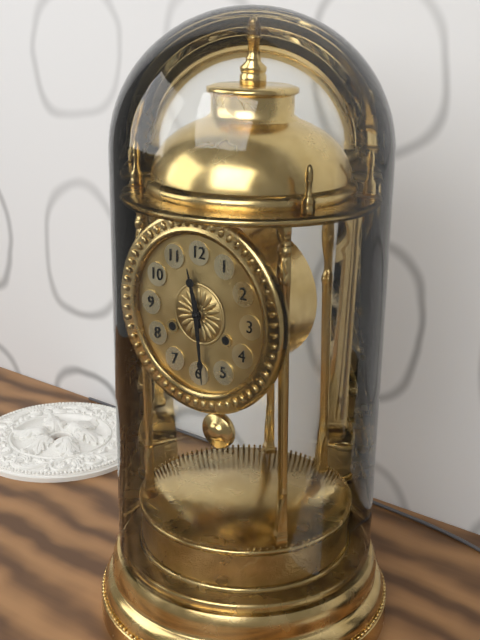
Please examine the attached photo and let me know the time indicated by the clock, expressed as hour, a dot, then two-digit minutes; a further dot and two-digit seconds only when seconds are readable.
11.29
